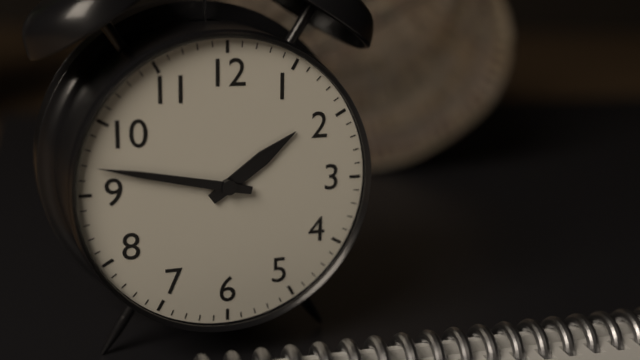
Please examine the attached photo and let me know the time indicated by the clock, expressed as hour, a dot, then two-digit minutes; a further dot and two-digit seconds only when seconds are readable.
1.47
